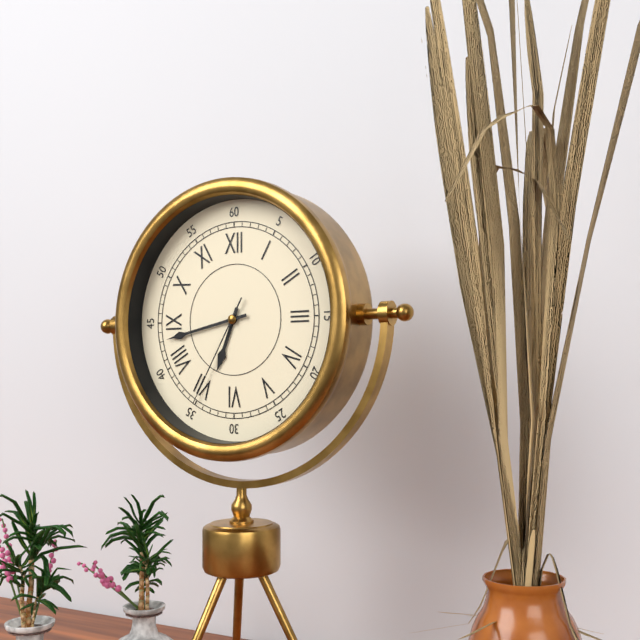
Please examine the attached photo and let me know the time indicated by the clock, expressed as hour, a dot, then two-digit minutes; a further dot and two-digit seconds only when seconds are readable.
6.43.35
